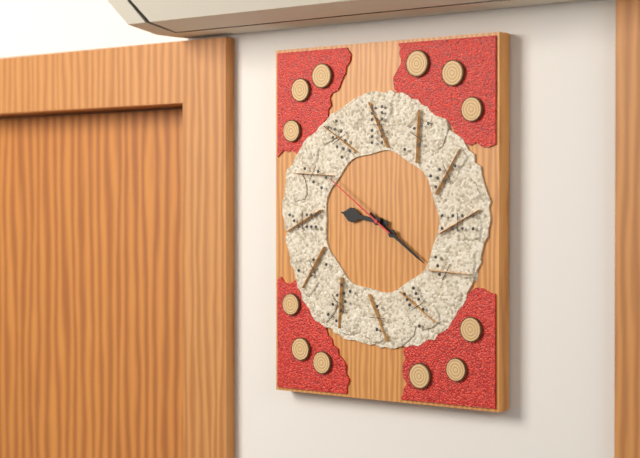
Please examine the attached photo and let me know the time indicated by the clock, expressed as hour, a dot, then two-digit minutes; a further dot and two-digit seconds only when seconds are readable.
9.21.51
